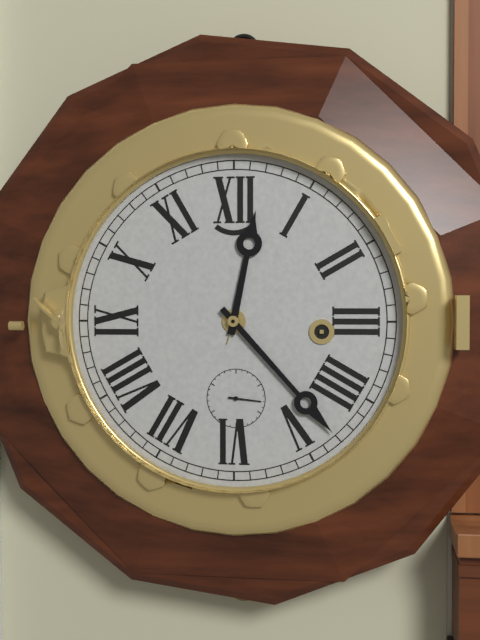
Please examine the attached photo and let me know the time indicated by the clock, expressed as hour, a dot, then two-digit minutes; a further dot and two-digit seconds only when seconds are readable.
12.23
